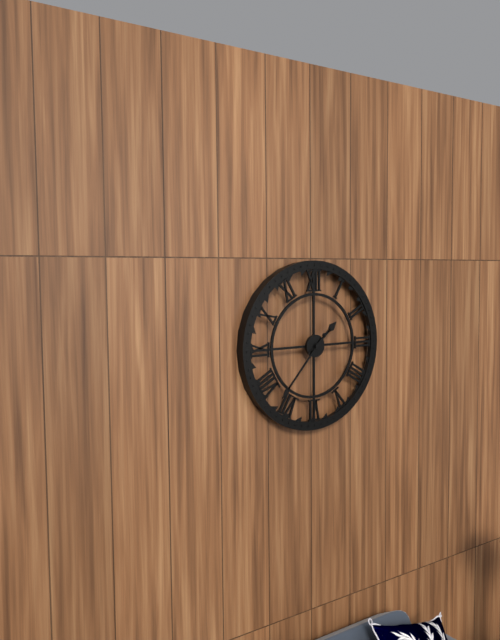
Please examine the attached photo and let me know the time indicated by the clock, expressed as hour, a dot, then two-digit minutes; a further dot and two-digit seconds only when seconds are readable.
1.37
